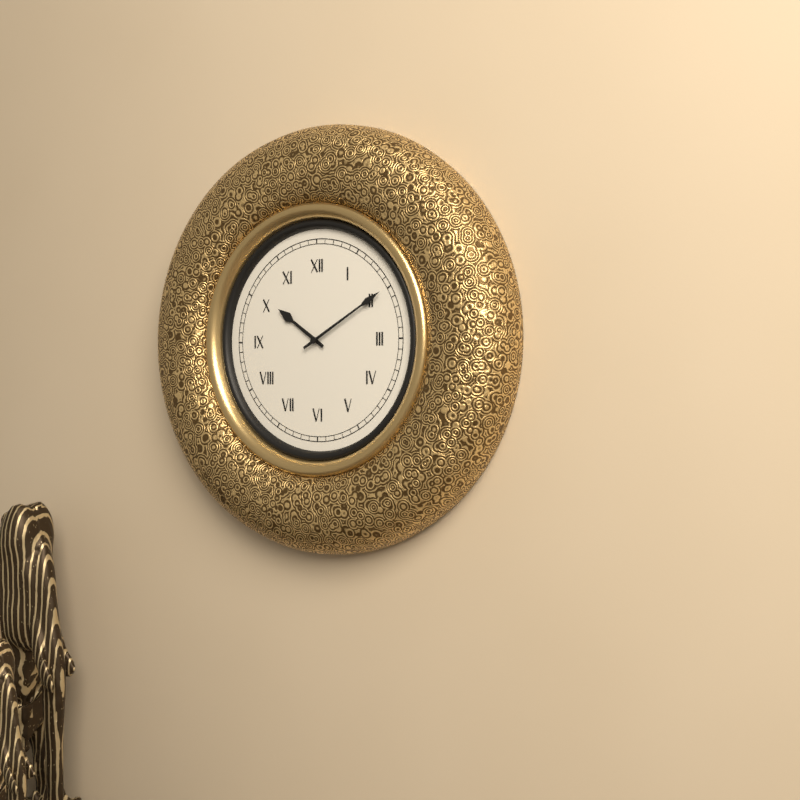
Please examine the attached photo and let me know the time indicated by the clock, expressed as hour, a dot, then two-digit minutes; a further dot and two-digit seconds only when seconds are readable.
10.10
